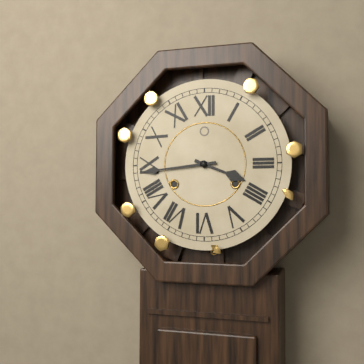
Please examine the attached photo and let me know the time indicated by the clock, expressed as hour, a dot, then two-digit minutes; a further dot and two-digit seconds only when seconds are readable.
3.44
